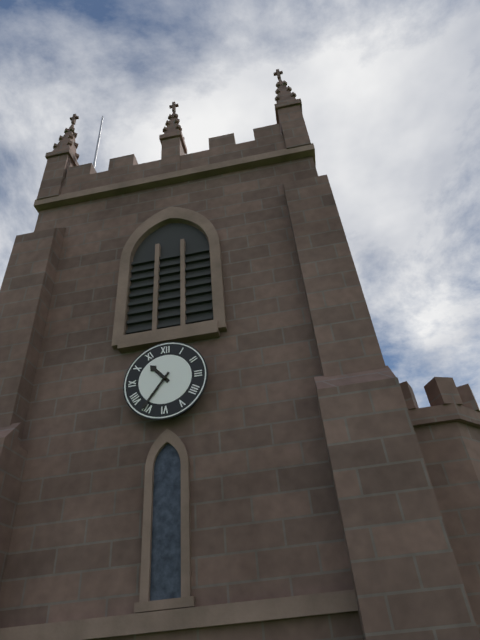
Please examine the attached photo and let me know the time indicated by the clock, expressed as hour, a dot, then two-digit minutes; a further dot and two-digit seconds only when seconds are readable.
10.36
